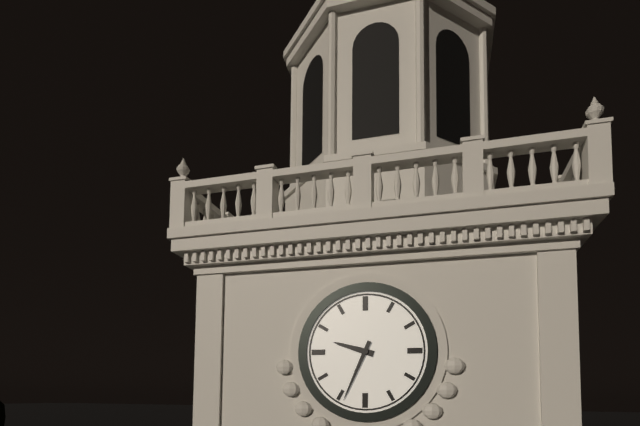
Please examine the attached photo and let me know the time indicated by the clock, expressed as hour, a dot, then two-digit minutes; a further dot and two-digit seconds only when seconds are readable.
9.34
